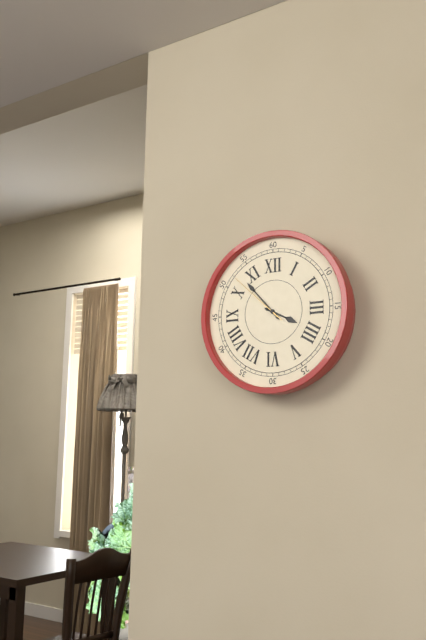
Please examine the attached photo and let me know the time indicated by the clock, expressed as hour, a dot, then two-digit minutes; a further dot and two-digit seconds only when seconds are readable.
3.53.52
